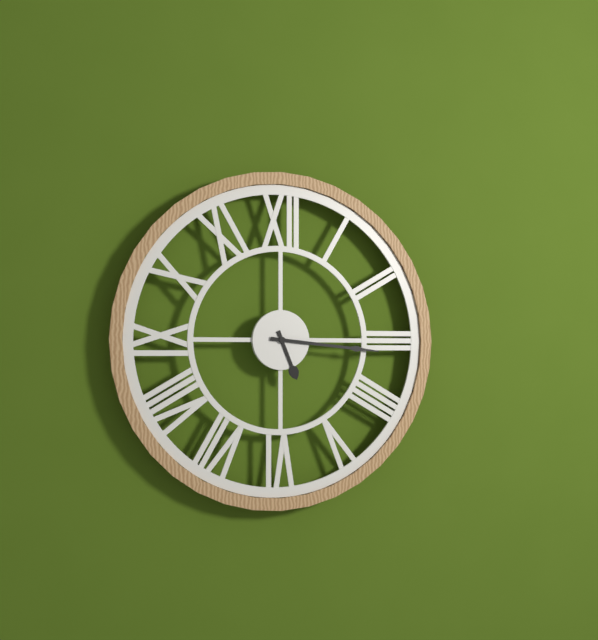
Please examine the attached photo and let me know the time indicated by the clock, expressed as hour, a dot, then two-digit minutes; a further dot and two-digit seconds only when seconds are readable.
5.16
